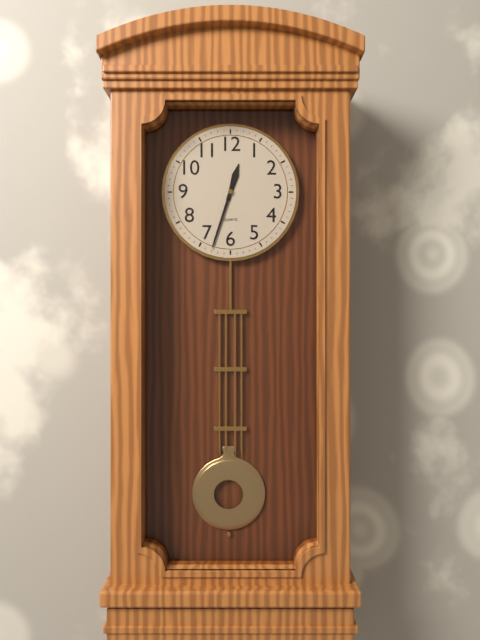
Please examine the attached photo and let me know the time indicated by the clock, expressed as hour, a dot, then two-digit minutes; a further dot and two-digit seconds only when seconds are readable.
12.33
